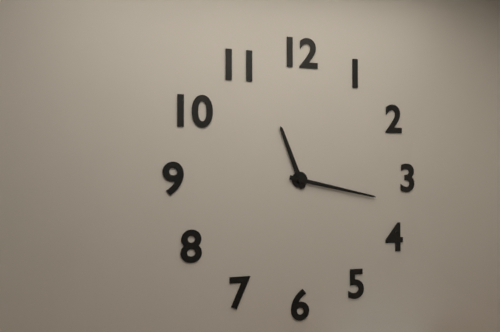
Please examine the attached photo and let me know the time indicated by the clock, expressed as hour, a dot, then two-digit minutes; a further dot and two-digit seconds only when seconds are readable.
11.17
